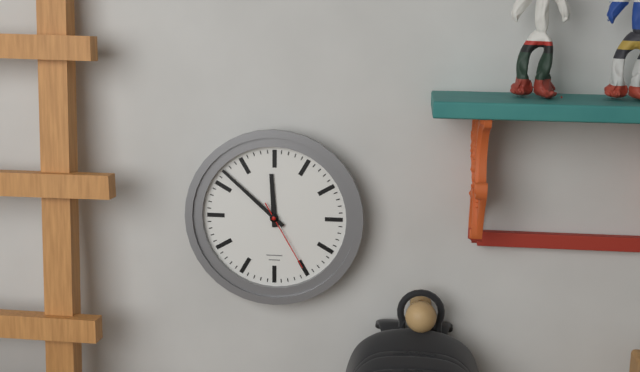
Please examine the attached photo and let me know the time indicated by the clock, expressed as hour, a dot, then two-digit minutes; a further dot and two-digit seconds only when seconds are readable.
11.52.25
